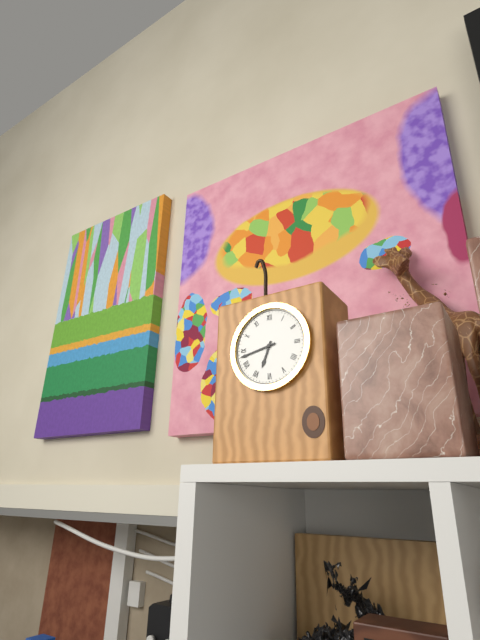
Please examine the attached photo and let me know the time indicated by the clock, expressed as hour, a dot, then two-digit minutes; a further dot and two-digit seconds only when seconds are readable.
6.43
